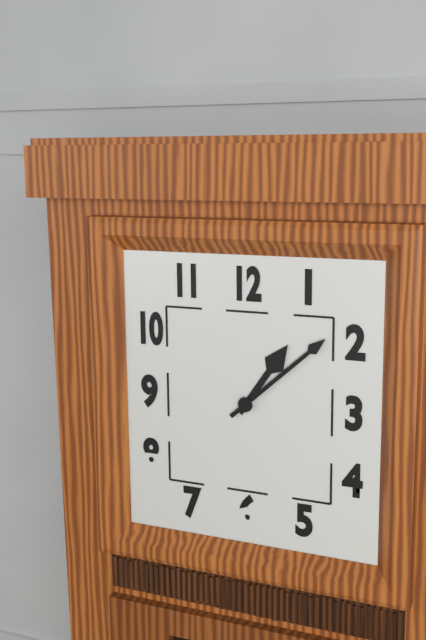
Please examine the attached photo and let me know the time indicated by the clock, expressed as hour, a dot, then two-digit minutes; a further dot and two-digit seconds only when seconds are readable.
1.08
